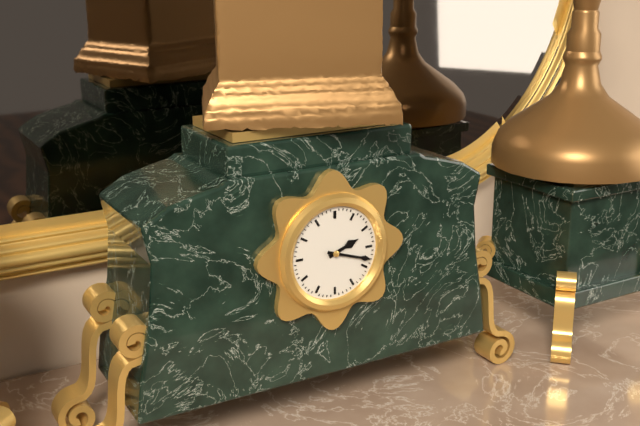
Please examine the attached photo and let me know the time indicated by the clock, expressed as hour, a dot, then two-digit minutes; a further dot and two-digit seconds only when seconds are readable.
2.18
